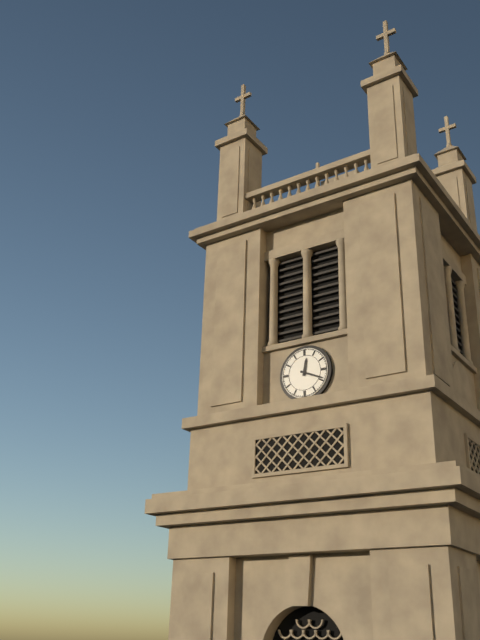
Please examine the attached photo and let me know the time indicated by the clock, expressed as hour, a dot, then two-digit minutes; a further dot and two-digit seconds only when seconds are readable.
12.19
